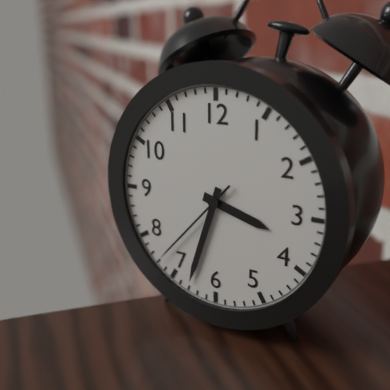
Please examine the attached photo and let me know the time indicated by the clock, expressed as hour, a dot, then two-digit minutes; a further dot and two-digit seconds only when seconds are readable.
3.33.37
